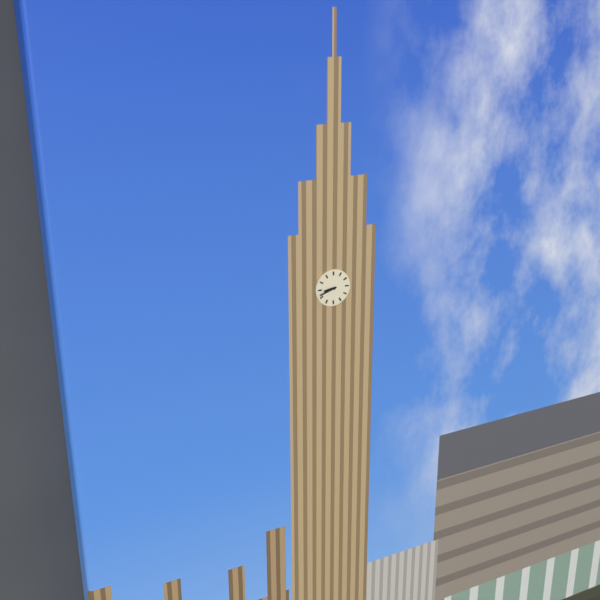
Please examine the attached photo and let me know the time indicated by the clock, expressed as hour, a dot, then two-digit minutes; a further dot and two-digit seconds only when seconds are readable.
8.42
